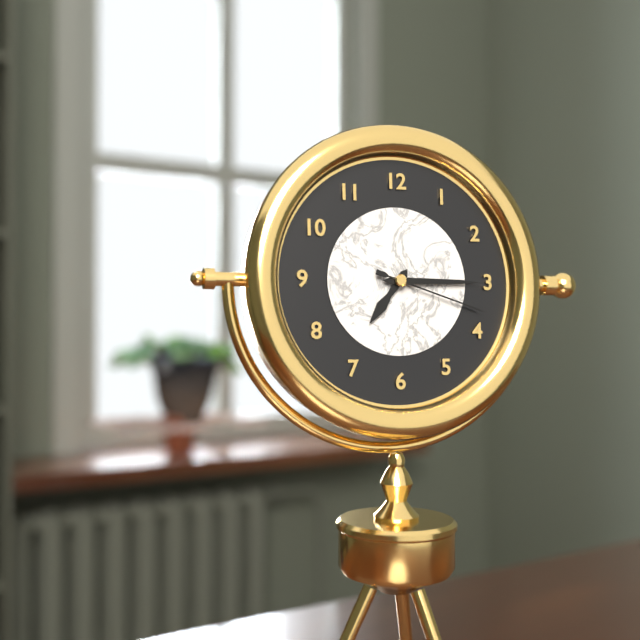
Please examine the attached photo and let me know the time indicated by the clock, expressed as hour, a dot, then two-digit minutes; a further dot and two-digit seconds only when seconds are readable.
7.15.18
